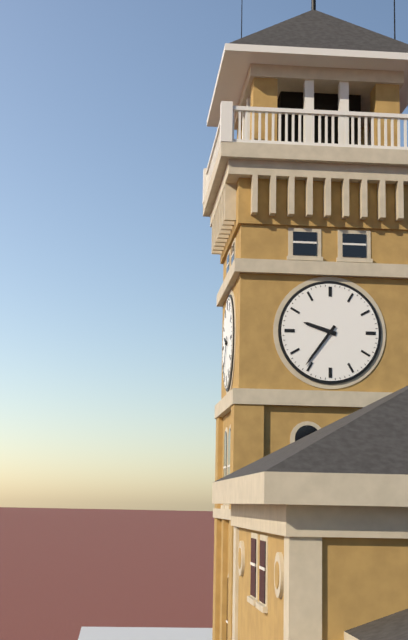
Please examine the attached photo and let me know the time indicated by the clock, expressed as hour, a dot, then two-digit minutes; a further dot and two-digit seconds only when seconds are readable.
9.36
